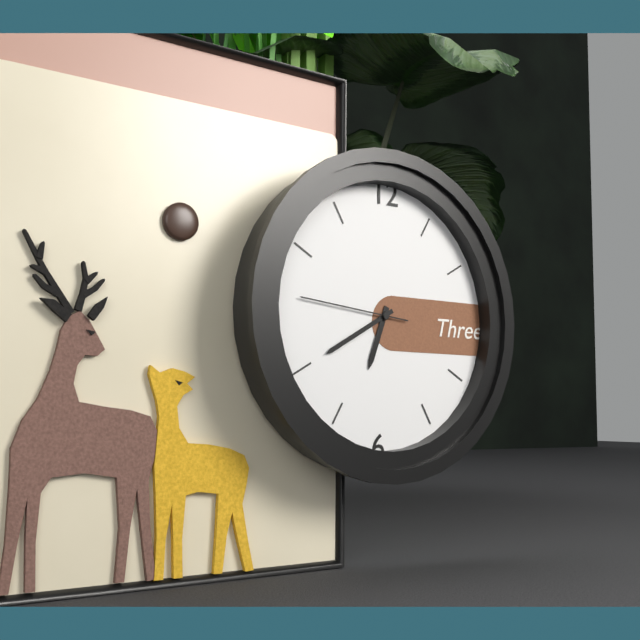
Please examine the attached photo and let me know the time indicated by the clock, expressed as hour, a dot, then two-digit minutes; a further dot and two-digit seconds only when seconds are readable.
6.40.46
